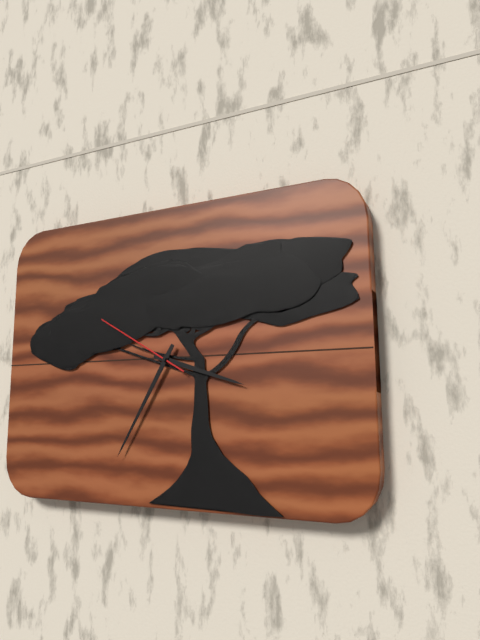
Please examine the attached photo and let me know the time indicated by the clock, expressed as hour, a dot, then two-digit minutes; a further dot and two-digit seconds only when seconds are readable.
3.35.50
